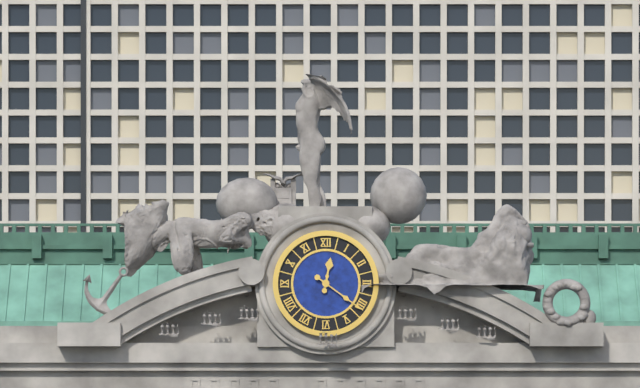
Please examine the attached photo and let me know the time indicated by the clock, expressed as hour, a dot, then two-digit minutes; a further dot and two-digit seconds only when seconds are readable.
12.21
